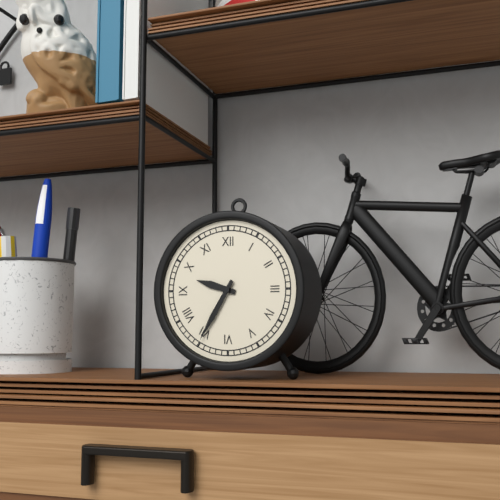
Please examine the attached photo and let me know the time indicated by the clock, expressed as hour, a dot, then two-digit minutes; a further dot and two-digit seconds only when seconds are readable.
9.35
